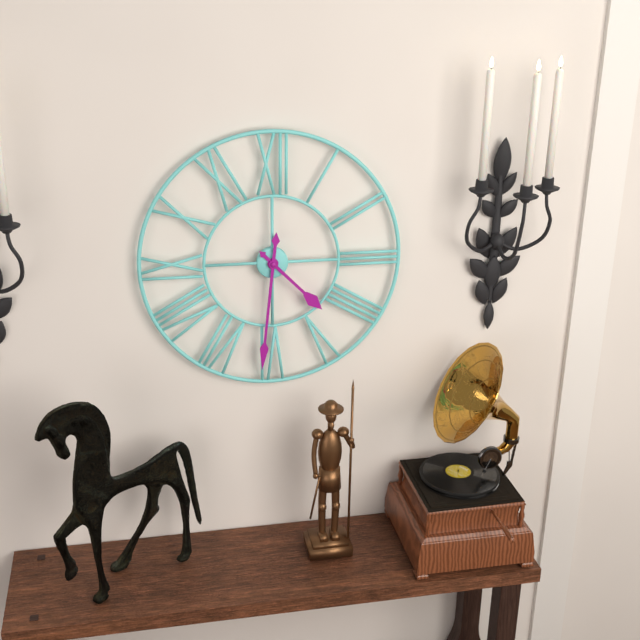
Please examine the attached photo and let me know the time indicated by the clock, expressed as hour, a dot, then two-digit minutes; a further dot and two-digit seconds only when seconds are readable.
4.31
